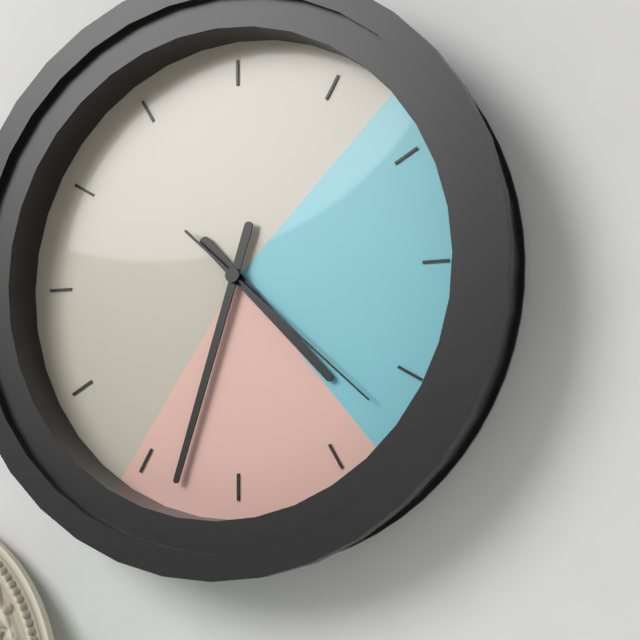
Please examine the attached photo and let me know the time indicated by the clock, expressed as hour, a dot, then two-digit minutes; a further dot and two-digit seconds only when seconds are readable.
4.33.22
